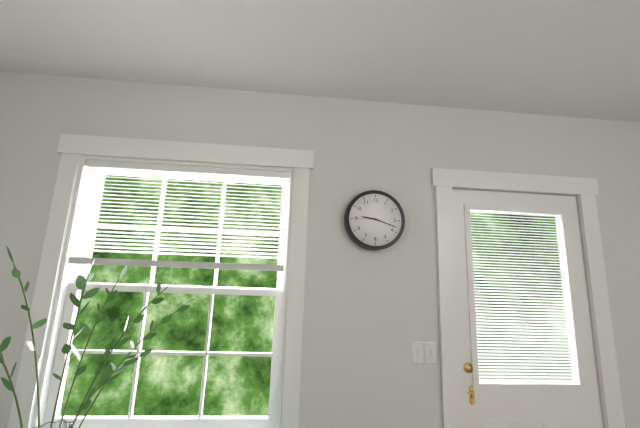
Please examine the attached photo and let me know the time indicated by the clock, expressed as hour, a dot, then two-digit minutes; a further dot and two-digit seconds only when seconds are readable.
9.18
